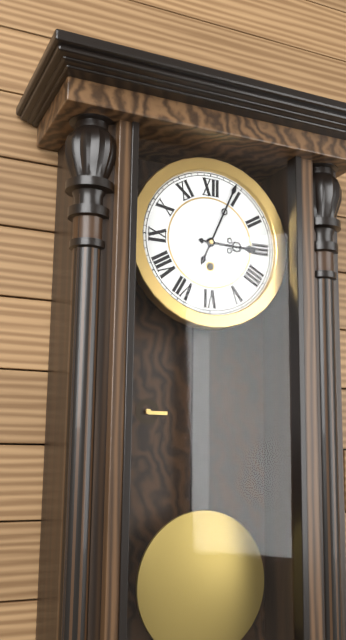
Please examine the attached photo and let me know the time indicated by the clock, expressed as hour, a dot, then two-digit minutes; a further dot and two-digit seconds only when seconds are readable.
3.04
